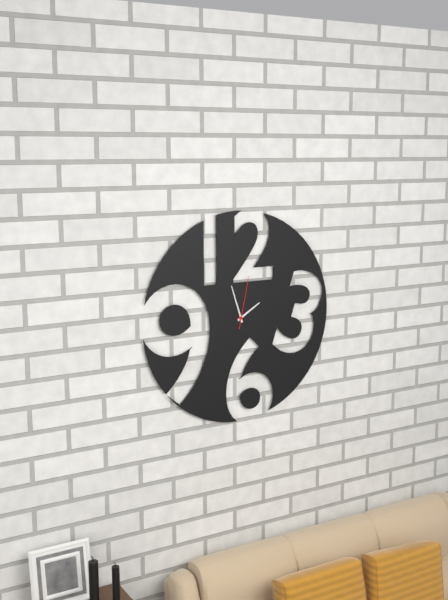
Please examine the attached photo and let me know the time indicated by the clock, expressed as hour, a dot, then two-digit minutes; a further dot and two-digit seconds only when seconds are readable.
1.57.02
